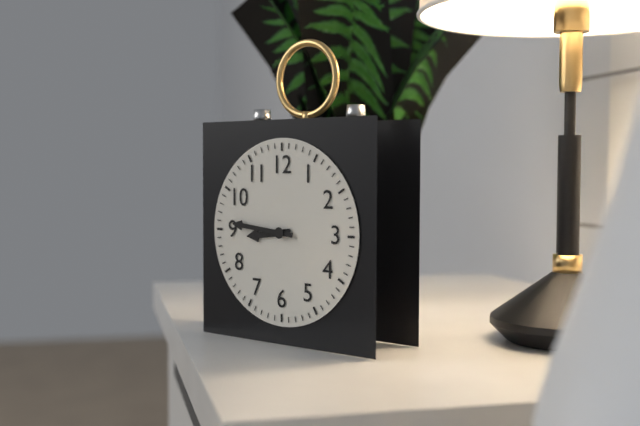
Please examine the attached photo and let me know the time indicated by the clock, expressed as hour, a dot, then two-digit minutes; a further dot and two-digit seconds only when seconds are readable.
8.46
